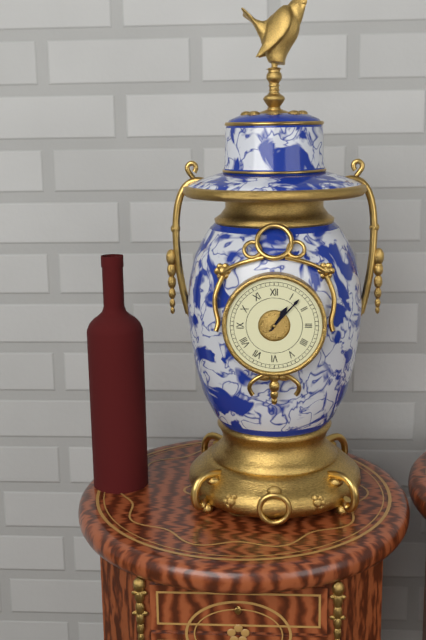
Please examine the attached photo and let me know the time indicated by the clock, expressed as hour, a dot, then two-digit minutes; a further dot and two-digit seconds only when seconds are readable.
1.07
